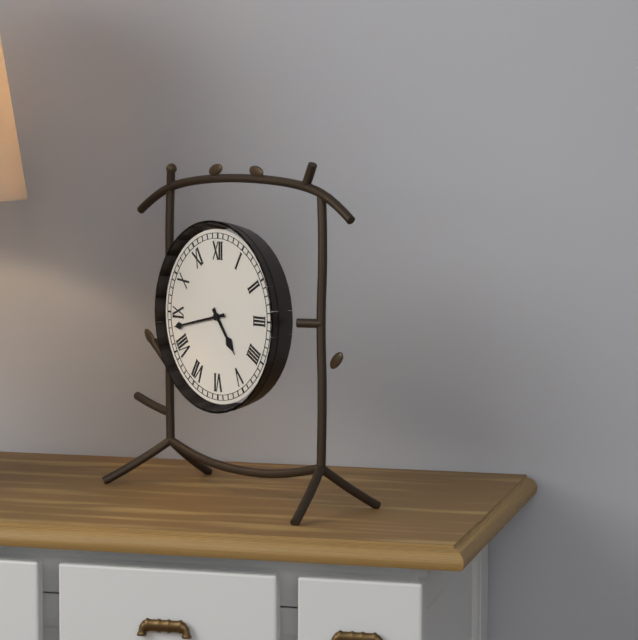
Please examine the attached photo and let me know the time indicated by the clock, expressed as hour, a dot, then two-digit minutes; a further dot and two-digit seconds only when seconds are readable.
4.43
